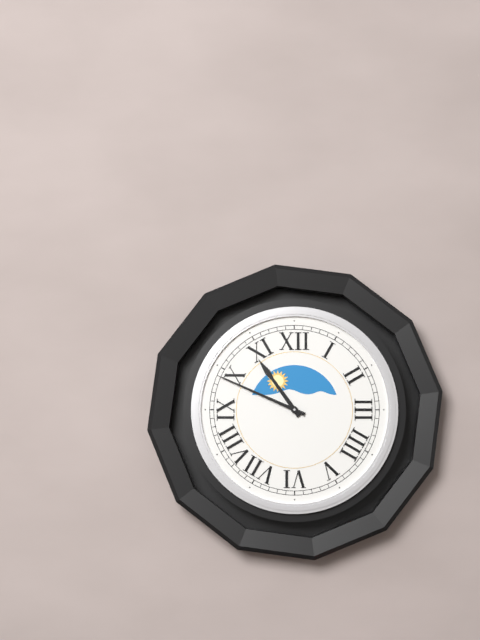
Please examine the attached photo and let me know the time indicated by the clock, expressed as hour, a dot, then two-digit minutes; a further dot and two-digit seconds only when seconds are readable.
10.49
